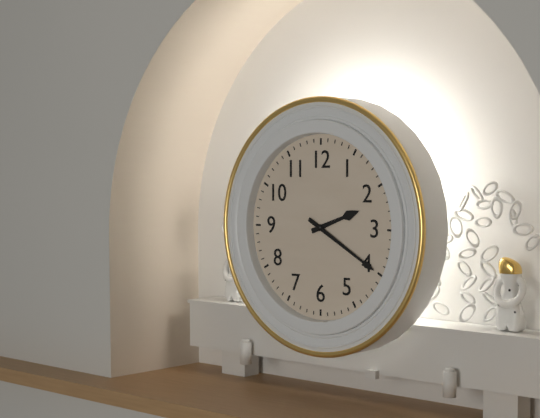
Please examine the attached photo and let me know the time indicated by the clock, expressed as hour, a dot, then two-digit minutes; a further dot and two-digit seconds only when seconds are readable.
2.20
